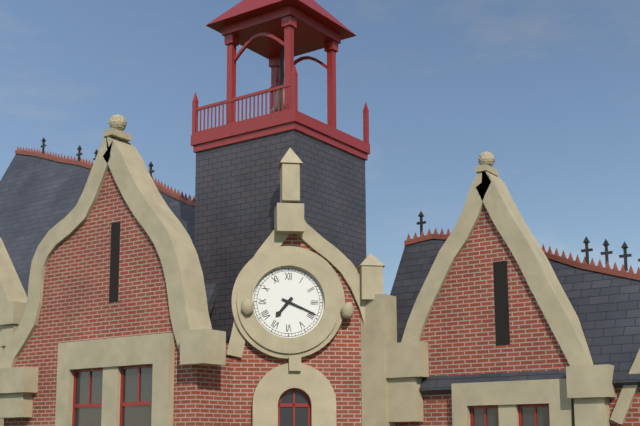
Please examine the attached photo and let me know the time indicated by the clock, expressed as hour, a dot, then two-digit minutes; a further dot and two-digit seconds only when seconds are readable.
7.19
